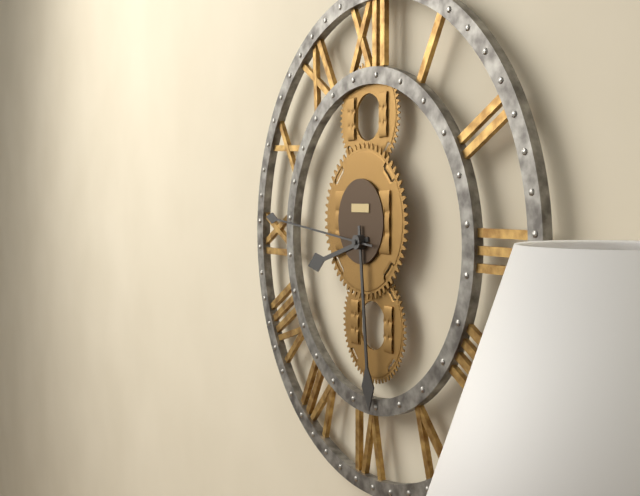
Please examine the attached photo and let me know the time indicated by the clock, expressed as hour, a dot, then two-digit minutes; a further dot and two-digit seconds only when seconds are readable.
8.29.46
